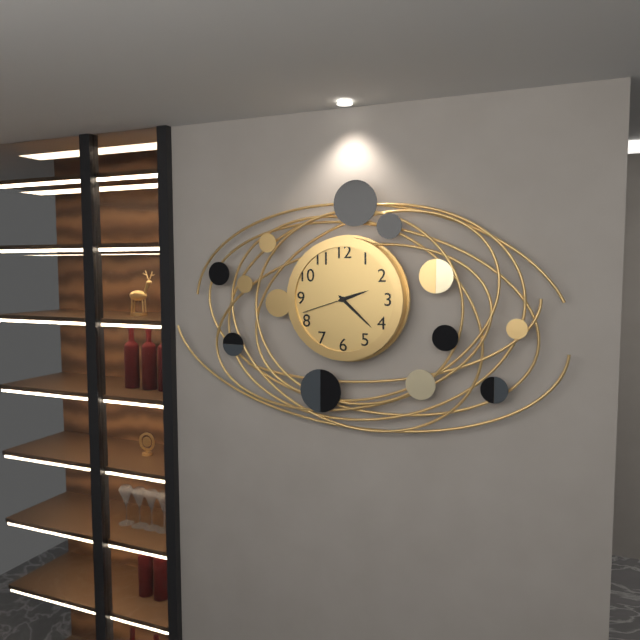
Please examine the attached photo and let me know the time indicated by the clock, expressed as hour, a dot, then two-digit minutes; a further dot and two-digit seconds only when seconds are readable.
2.22.42
